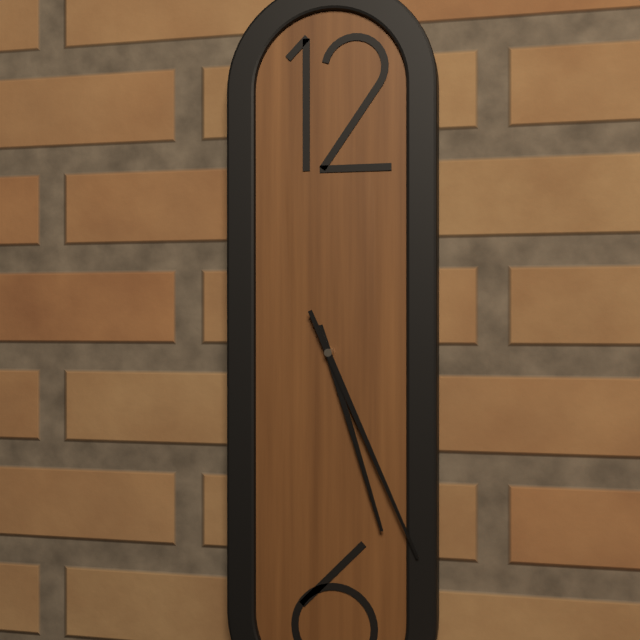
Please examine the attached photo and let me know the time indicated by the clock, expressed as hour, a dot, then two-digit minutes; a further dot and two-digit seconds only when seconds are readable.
5.26
